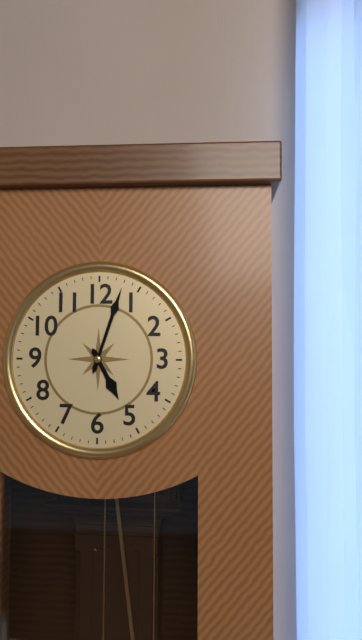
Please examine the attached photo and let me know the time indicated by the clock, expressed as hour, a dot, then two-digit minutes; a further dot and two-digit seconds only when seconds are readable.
5.03
